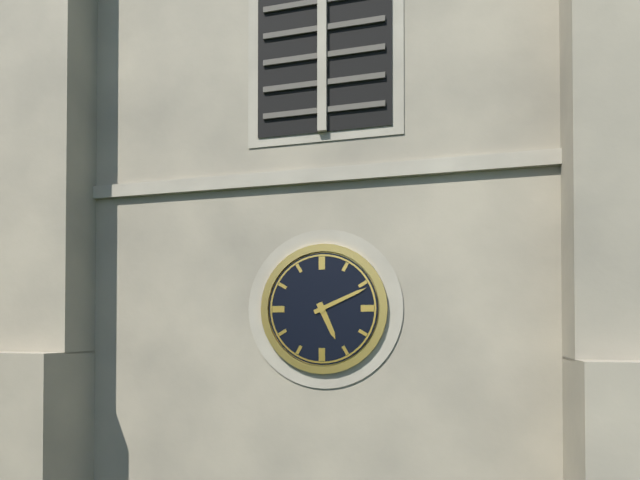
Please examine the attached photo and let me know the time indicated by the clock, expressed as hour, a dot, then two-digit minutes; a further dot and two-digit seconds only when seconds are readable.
5.11
